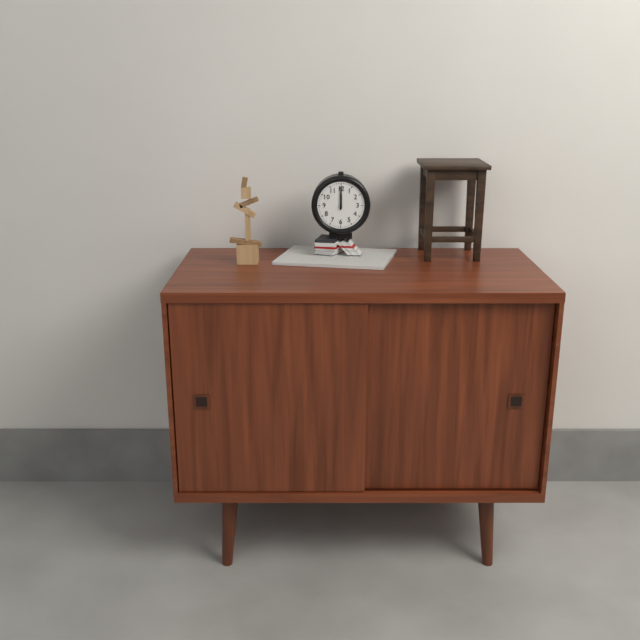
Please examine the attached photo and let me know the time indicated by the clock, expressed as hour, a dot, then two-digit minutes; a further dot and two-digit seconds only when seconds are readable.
12.00
